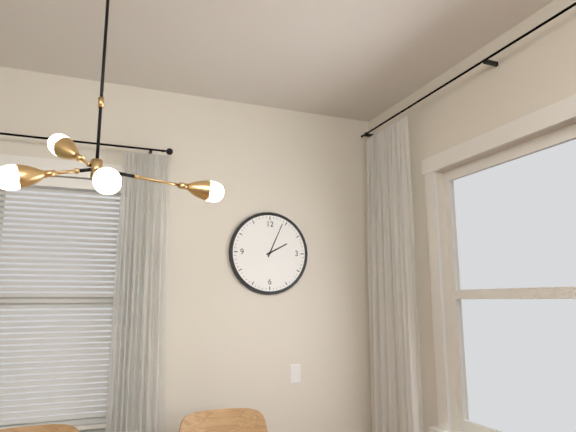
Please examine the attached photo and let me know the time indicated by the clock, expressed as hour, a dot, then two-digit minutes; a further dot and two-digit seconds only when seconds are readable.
2.04
